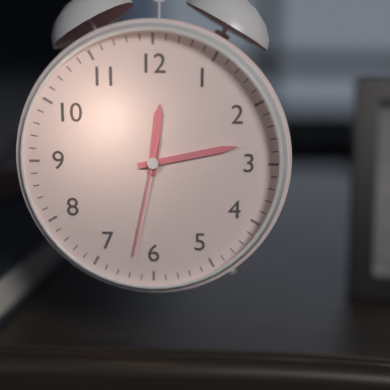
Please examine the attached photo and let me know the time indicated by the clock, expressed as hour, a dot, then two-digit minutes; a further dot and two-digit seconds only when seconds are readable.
12.13.32
